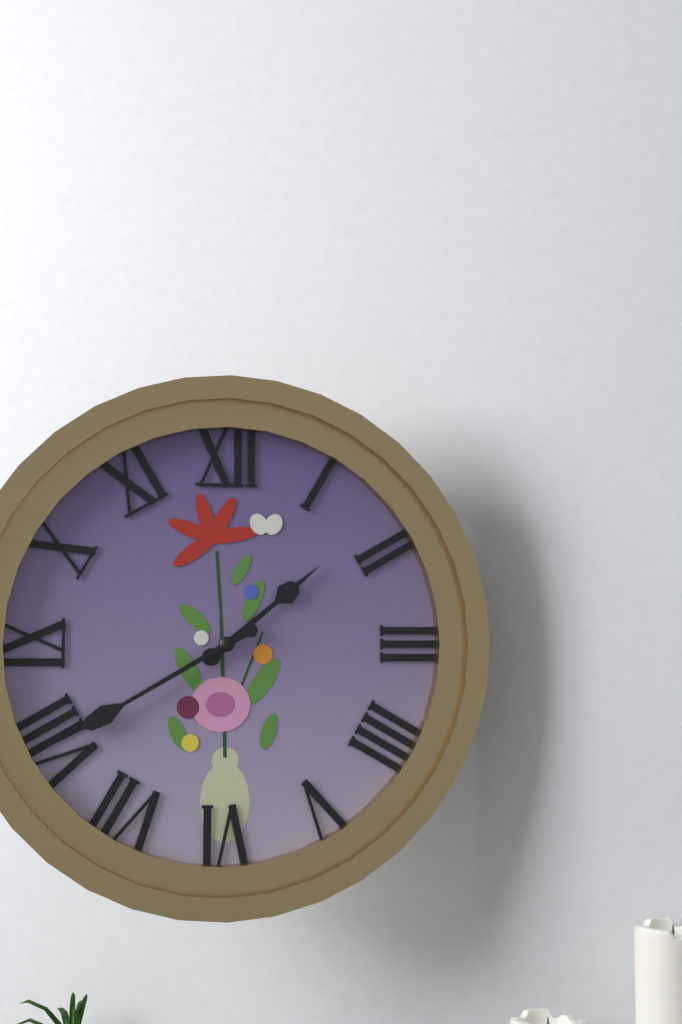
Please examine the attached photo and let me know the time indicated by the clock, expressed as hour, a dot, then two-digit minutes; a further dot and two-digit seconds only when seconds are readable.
1.40
